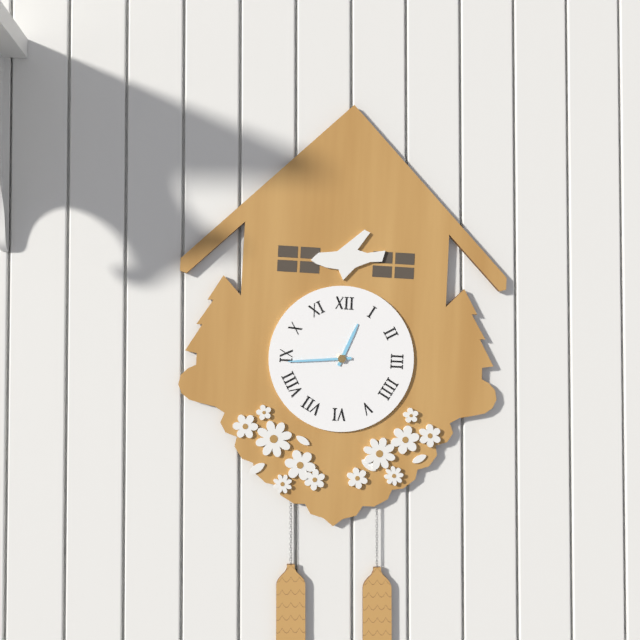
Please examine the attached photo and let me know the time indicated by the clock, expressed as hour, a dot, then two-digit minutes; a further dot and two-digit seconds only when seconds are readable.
12.44
